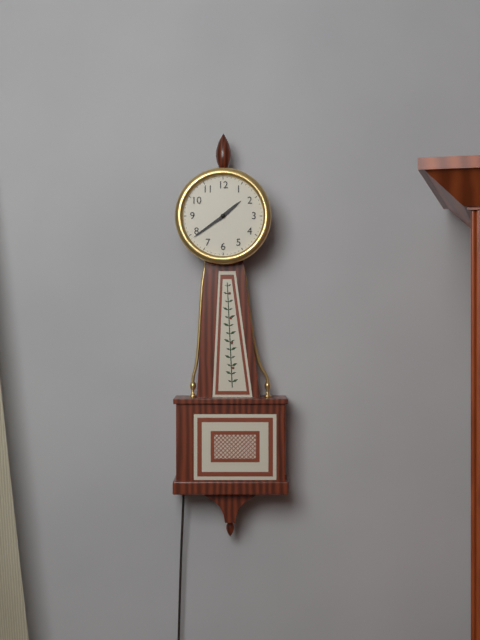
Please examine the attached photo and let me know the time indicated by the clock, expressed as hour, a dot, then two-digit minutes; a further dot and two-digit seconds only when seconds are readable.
1.39
